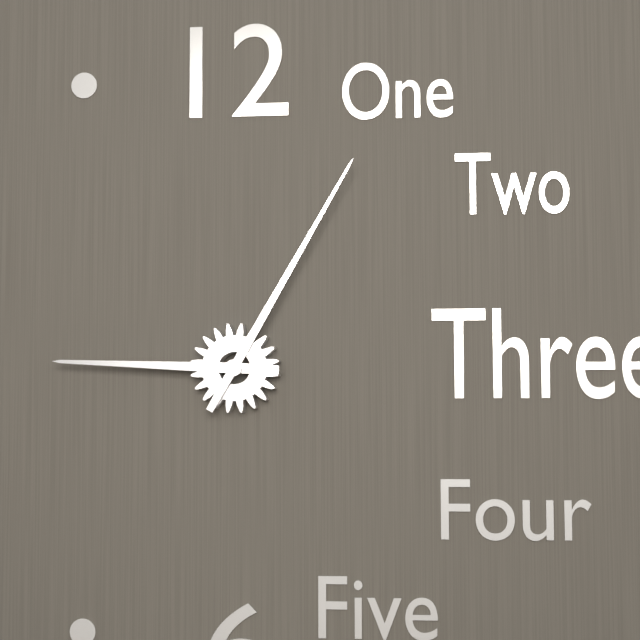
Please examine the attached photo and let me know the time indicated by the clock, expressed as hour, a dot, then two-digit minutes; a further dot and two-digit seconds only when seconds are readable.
9.05
